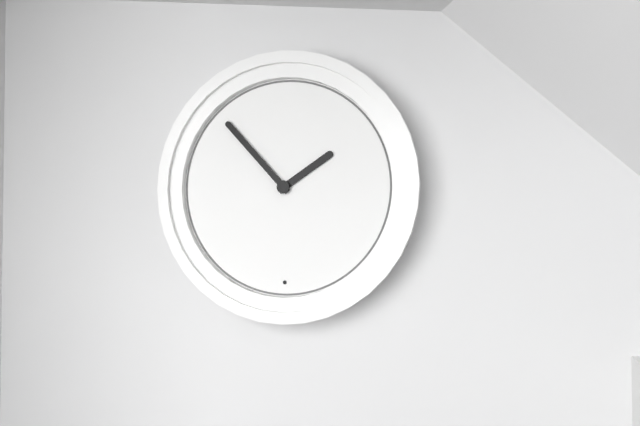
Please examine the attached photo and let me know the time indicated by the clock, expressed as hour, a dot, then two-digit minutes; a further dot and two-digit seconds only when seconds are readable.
1.53
